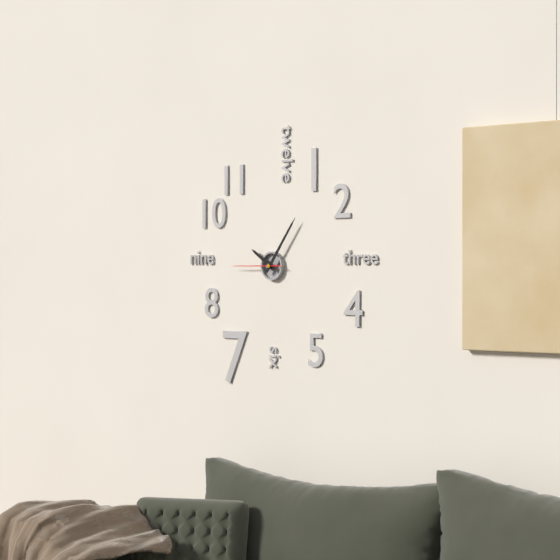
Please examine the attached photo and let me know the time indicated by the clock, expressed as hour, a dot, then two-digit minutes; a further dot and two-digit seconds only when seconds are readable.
10.06
